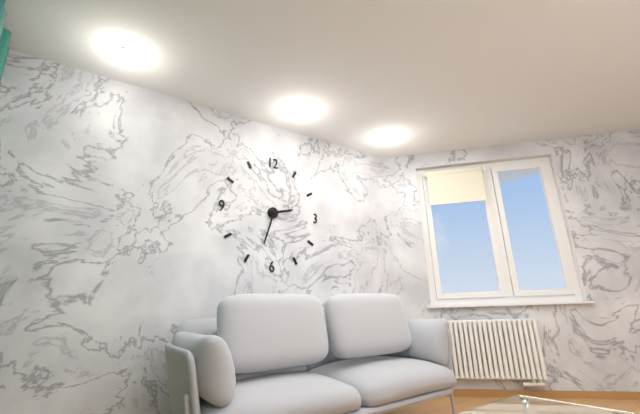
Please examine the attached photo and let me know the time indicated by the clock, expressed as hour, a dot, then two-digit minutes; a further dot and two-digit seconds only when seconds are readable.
2.33
